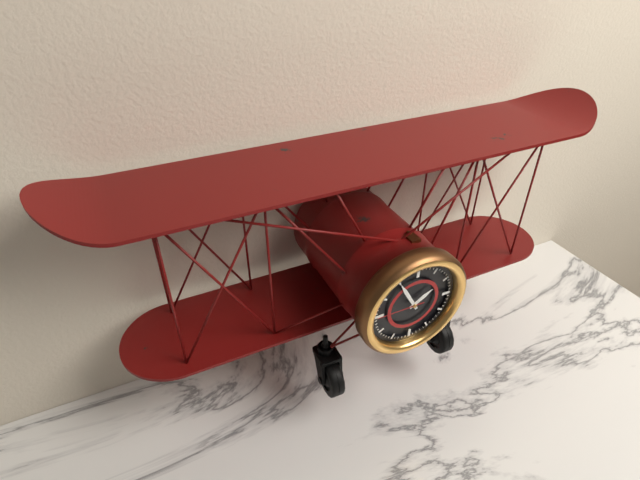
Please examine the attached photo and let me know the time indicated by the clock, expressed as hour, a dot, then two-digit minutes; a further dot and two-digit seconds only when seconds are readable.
1.55
